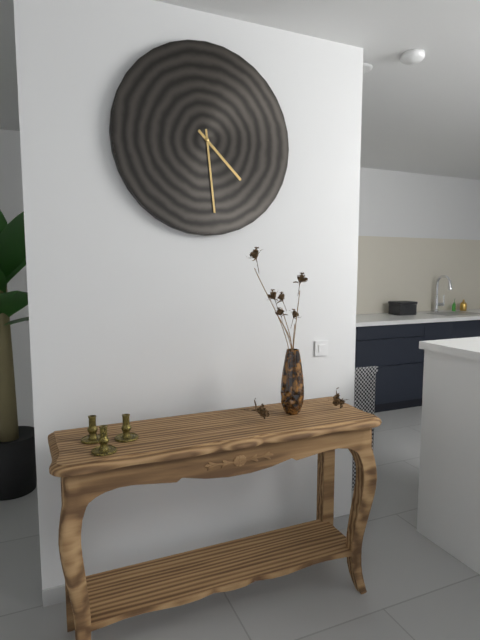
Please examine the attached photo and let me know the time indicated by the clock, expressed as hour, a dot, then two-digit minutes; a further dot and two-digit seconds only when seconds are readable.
4.29
